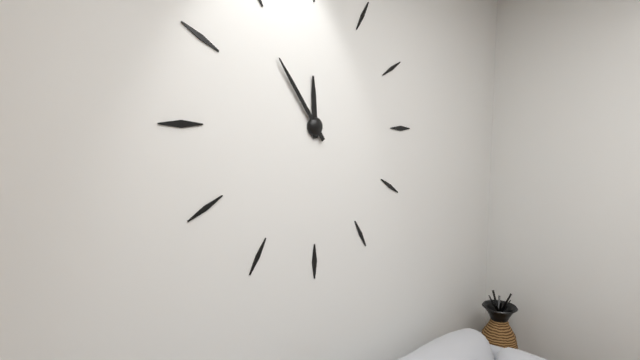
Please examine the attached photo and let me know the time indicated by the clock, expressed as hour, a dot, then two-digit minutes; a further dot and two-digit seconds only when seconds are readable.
11.54
